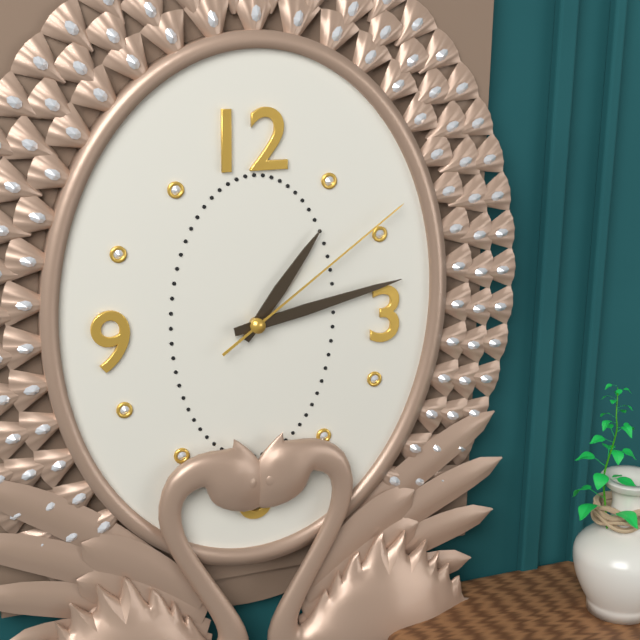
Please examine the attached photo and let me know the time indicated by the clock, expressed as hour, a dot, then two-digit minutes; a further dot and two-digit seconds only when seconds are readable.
1.13.09
